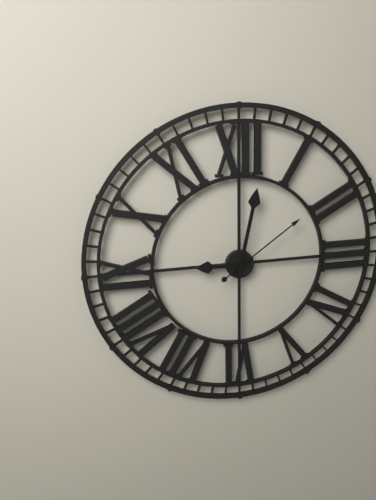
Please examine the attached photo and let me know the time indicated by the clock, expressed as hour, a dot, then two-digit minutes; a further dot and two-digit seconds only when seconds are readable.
9.02.09
